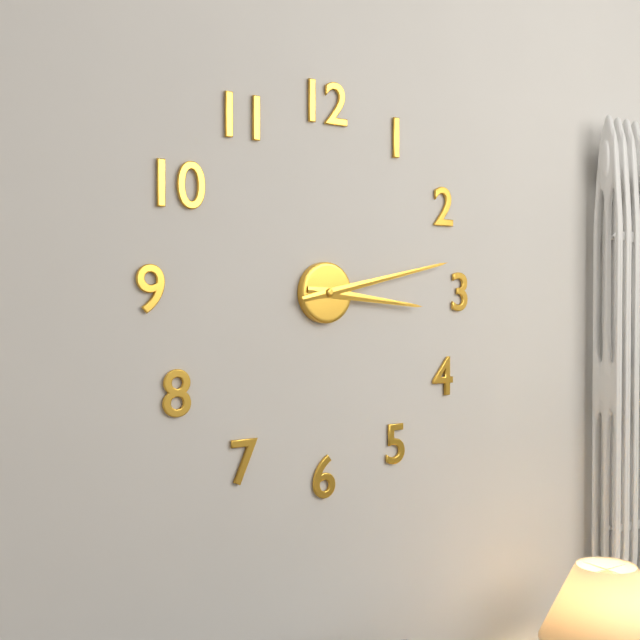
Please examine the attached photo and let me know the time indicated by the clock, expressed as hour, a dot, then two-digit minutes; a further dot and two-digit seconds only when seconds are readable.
3.13
